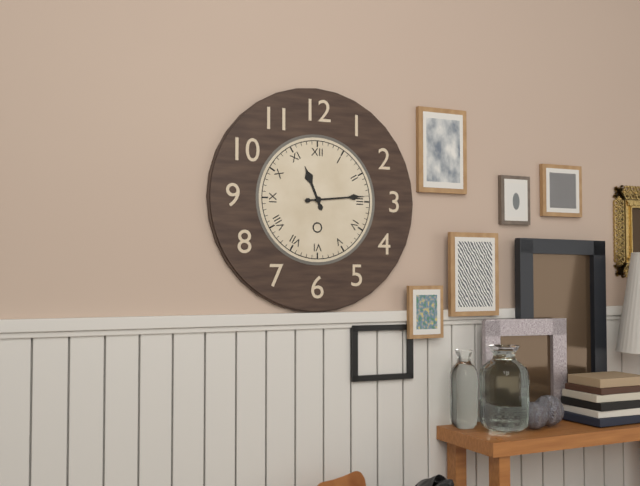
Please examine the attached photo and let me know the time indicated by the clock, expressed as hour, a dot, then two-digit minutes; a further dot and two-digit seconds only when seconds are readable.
11.14
